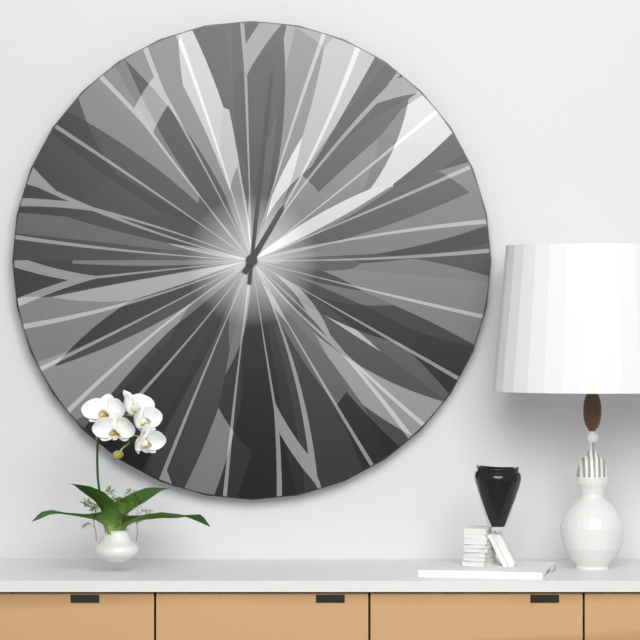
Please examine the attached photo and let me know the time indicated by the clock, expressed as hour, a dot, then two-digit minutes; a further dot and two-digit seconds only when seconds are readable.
1.01
